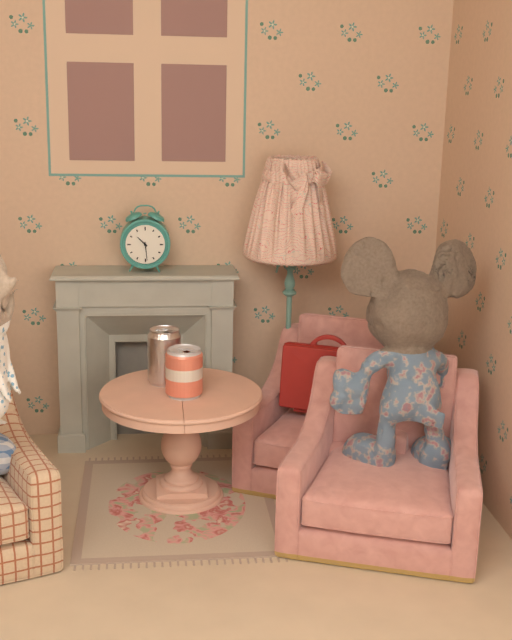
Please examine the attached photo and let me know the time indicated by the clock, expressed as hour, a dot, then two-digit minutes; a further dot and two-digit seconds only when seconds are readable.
10.29
